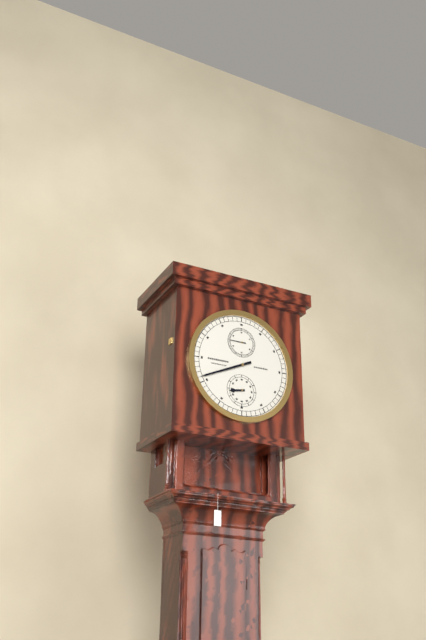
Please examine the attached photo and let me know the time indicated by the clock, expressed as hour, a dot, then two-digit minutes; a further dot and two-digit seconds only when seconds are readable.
8.41
